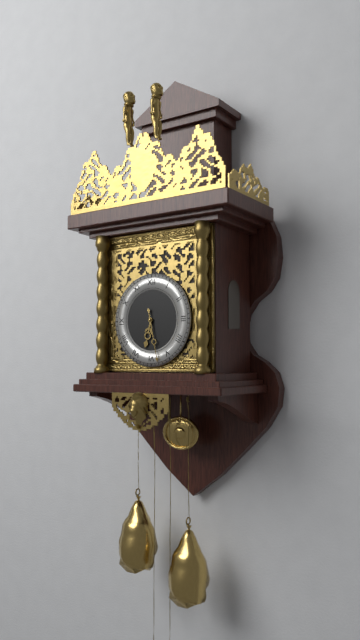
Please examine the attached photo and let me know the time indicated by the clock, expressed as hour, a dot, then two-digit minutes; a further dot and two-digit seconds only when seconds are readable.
6.28
